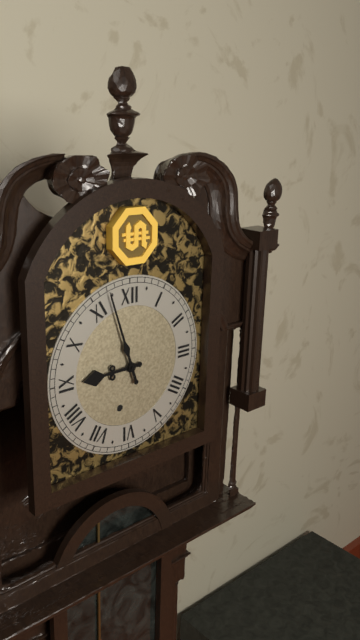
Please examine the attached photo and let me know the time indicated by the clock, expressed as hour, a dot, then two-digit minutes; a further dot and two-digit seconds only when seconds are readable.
8.57
